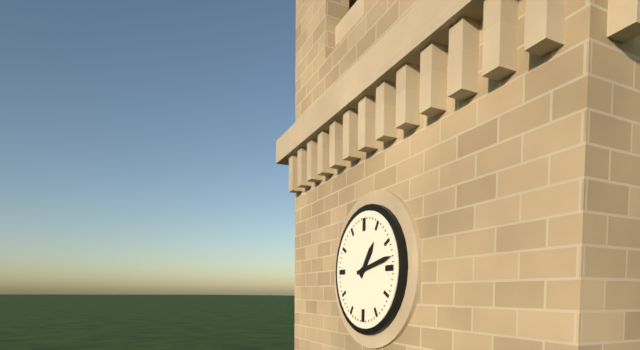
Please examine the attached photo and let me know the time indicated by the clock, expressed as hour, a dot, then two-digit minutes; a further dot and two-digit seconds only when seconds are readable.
1.13
